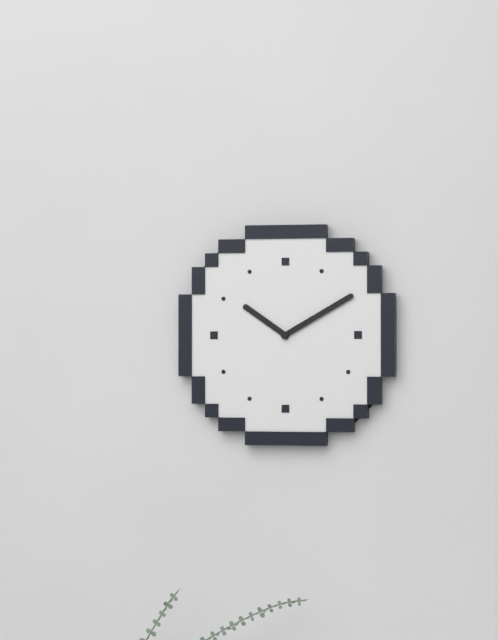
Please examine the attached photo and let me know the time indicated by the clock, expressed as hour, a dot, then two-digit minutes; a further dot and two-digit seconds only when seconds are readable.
10.10
